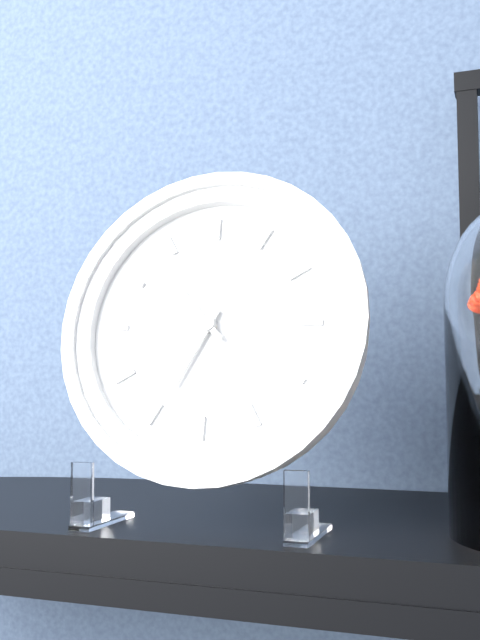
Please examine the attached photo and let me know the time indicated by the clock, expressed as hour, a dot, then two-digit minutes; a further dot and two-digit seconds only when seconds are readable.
6.53
